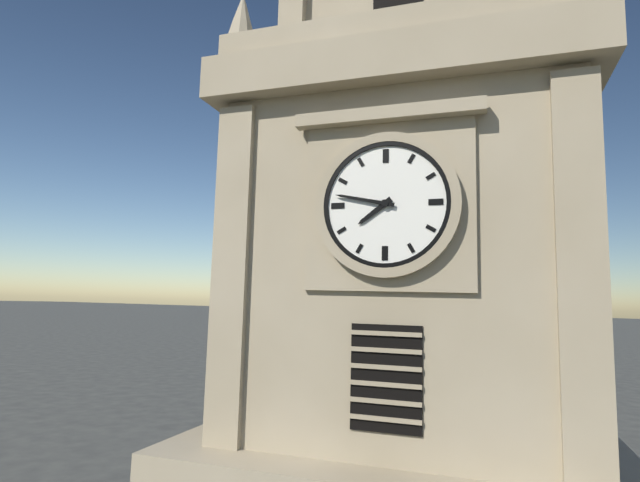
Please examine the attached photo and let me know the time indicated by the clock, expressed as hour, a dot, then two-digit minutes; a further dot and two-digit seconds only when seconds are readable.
7.47
